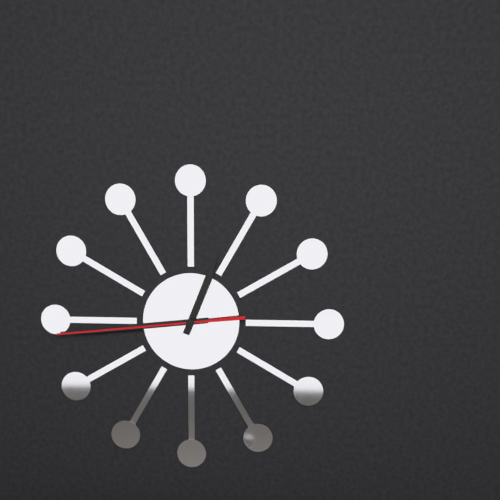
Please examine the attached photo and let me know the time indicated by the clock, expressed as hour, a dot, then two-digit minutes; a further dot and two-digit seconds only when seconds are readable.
12.44.44
